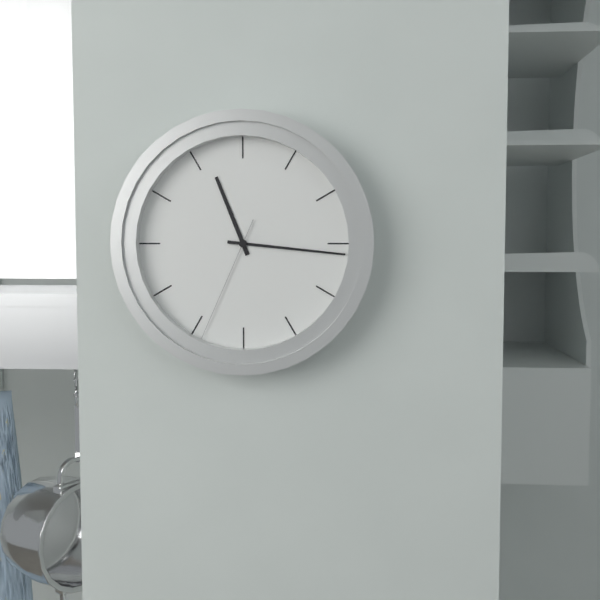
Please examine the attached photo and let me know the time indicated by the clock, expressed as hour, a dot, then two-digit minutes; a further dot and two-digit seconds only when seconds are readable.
11.16.34
